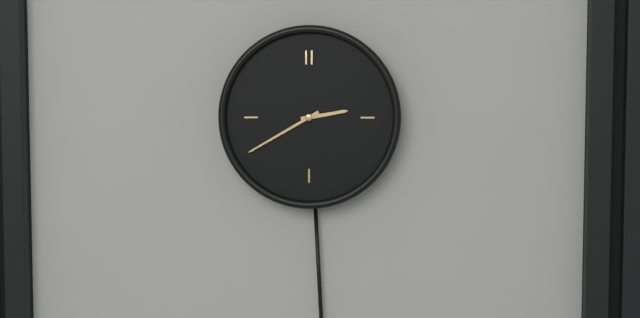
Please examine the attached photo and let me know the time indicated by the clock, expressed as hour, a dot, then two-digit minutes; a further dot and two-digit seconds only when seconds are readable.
2.40
